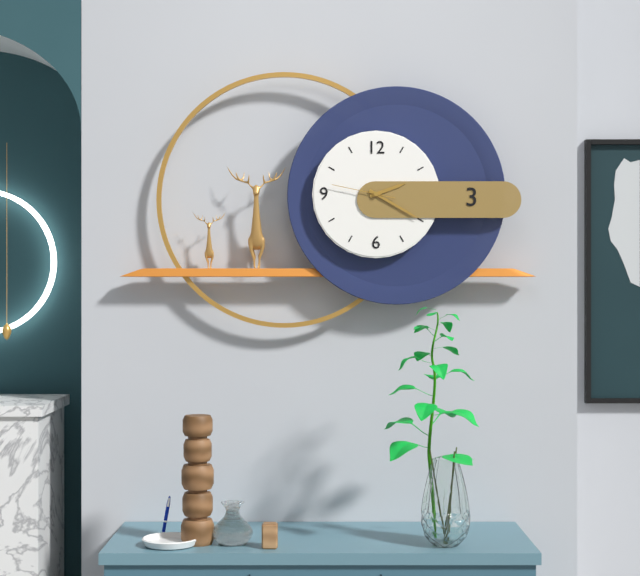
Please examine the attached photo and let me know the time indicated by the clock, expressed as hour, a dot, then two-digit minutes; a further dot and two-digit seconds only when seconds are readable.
2.20.47
